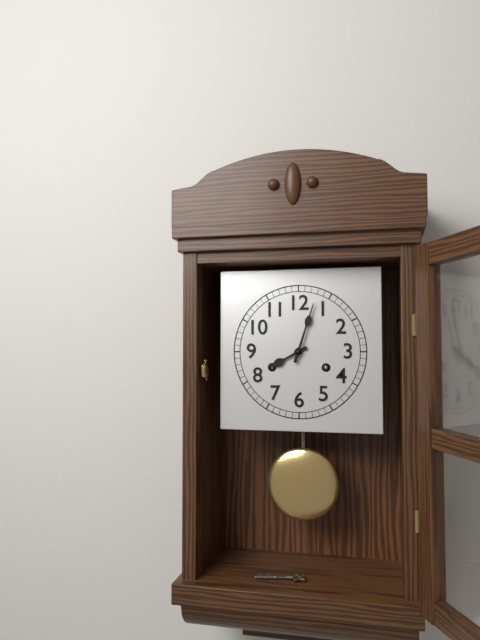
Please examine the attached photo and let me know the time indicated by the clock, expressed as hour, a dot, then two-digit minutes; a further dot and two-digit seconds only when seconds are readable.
8.03
